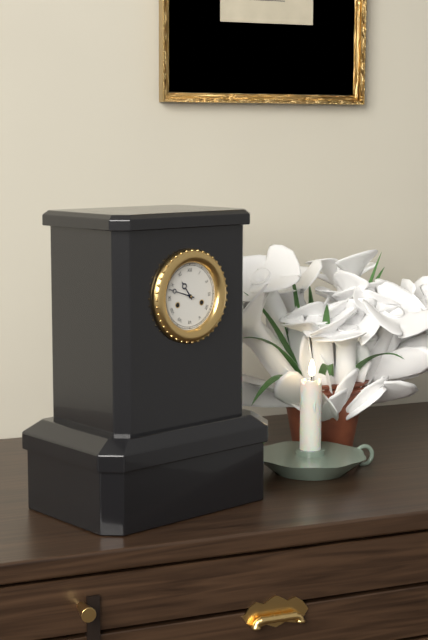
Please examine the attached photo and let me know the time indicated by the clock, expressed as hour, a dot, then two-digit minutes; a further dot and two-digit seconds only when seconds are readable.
10.48
